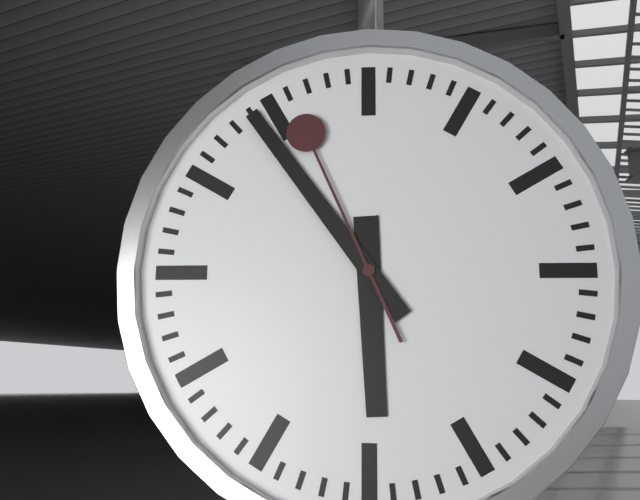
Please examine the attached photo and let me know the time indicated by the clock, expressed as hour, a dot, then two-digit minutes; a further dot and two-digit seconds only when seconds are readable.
5.54.56
